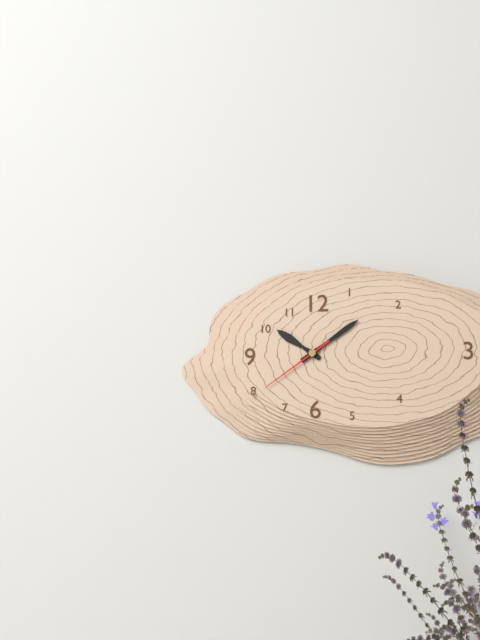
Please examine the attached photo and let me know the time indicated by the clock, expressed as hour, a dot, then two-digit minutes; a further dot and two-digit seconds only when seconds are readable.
10.09.39
